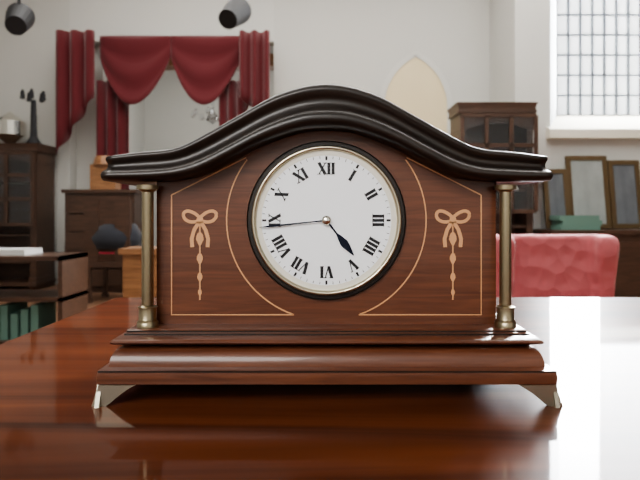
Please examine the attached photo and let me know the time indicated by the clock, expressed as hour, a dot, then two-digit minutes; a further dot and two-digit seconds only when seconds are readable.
4.44
